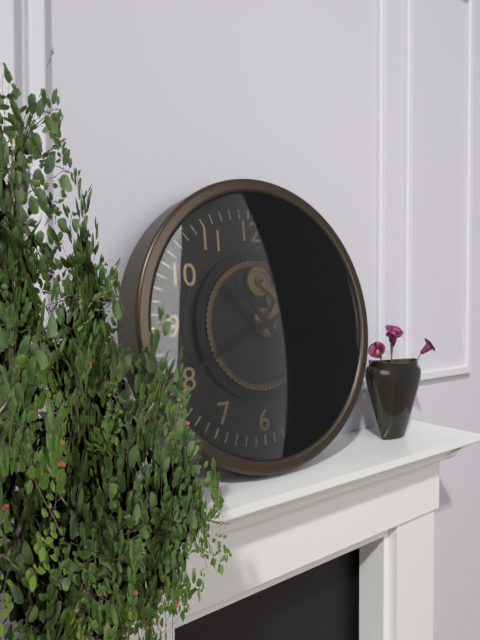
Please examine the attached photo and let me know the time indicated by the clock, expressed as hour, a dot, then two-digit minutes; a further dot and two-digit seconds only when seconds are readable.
10.41
